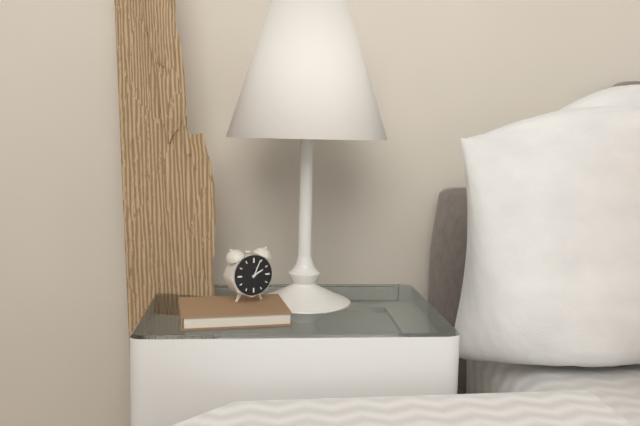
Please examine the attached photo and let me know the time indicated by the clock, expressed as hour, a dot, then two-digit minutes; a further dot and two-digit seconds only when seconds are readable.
2.04
